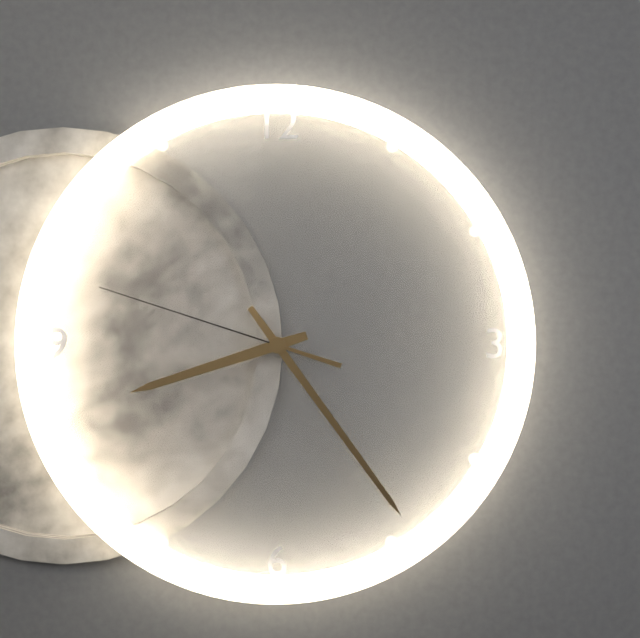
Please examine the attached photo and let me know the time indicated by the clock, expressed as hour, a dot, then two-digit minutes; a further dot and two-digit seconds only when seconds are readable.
8.24.48
